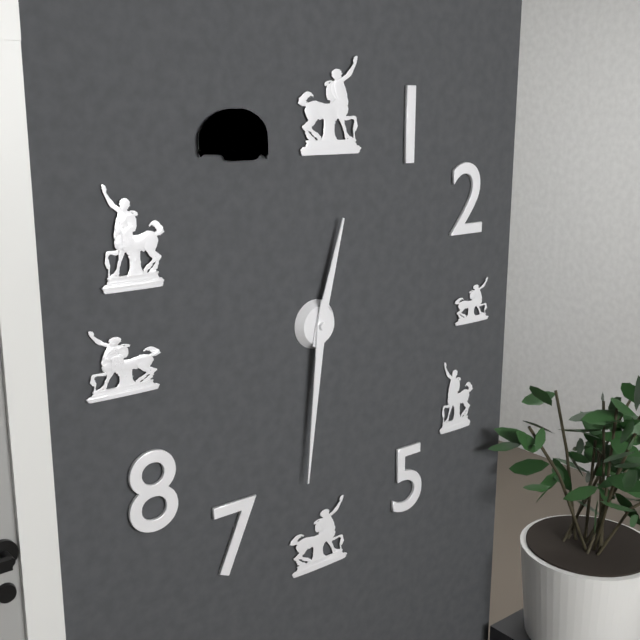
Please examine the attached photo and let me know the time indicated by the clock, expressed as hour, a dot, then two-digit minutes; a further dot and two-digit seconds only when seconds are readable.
12.31
